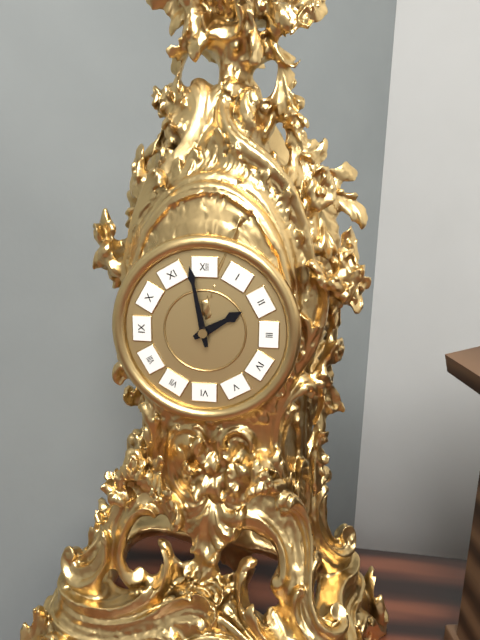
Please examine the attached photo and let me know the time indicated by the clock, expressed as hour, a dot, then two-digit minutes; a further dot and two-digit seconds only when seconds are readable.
1.58
